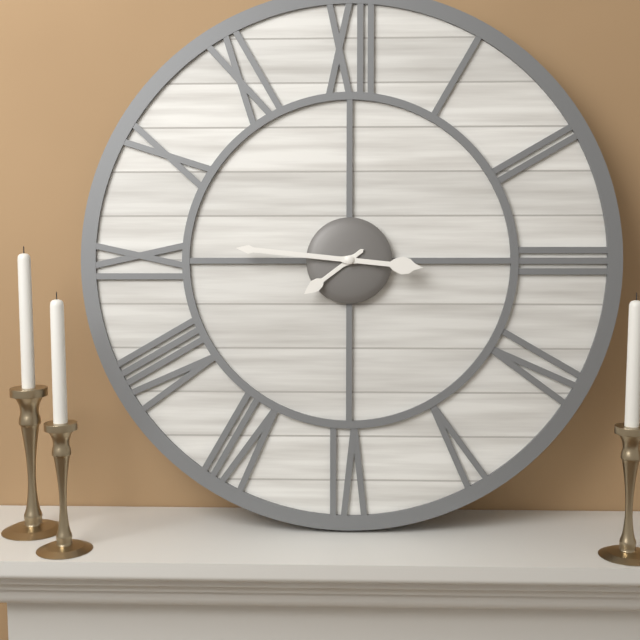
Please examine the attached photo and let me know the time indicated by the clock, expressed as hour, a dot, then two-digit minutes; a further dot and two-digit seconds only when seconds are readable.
7.46
